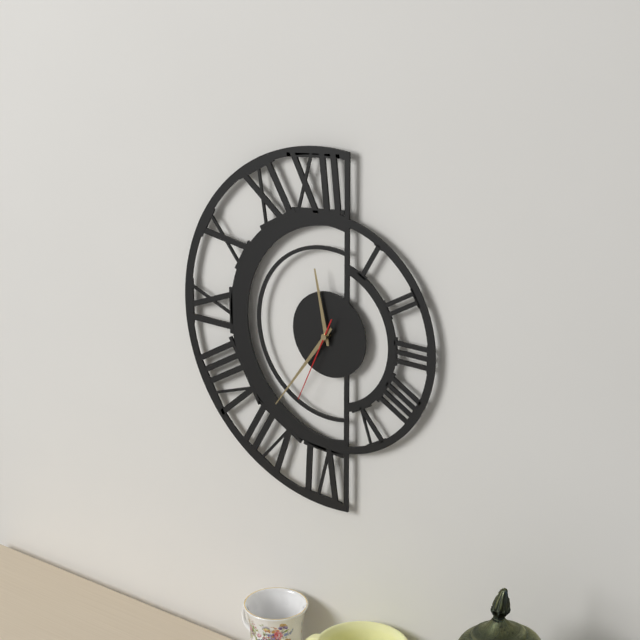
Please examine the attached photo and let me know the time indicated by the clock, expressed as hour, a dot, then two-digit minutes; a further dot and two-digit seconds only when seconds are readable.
11.36.34
